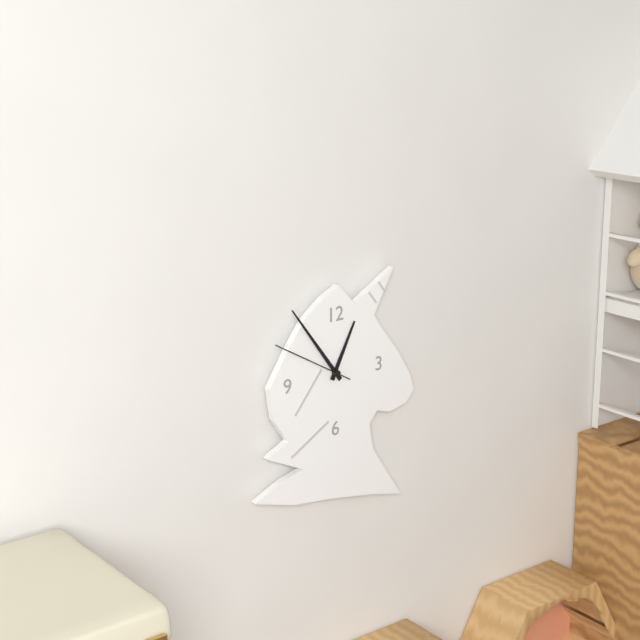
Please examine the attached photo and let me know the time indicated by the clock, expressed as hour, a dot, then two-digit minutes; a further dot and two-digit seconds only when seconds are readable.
12.54.50
